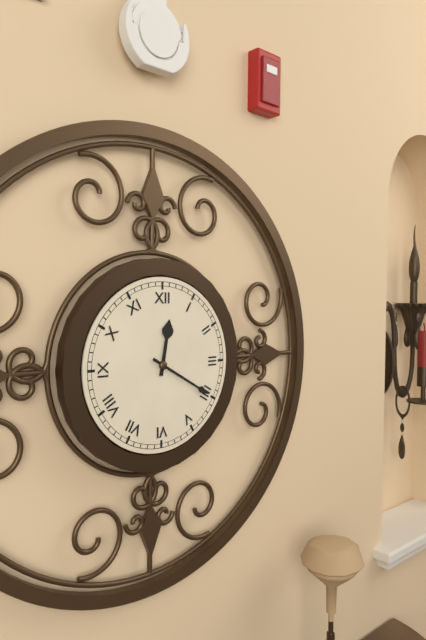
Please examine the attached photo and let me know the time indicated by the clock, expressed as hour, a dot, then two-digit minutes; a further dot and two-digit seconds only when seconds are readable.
12.20
